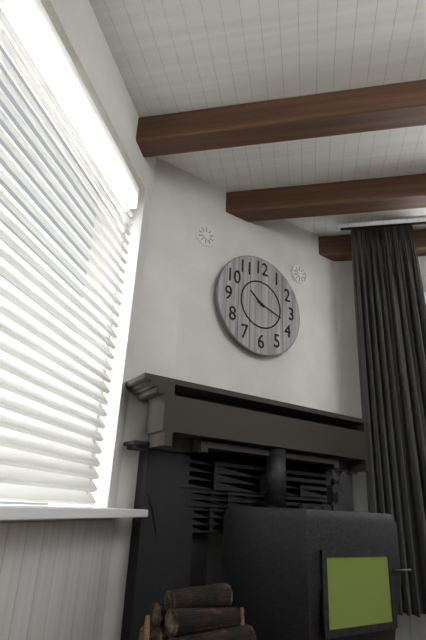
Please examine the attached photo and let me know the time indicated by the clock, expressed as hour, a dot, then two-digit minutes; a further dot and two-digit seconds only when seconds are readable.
10.18
